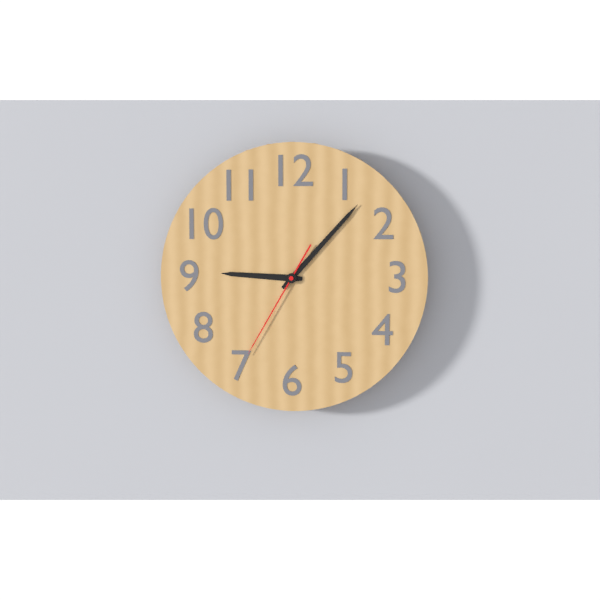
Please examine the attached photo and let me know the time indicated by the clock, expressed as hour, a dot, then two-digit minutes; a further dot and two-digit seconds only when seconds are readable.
9.07.35
